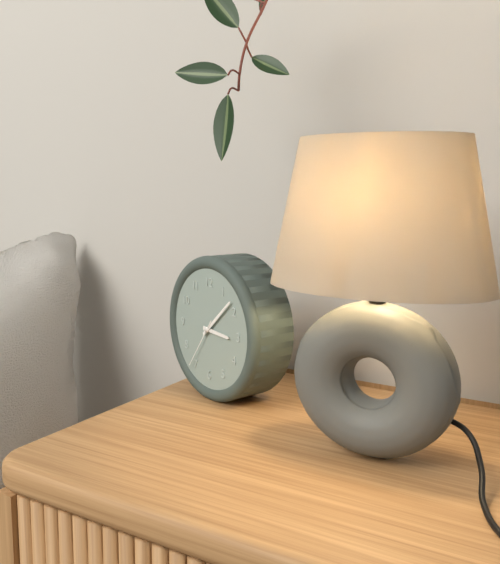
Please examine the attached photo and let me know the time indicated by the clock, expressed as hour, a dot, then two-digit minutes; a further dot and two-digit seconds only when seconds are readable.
3.08.36
